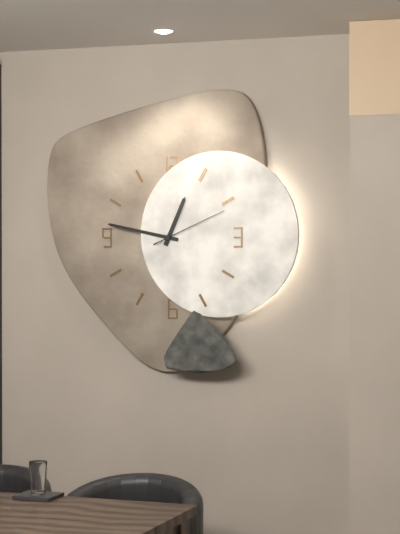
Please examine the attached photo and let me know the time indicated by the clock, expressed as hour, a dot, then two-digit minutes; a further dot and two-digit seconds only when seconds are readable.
12.47.11
